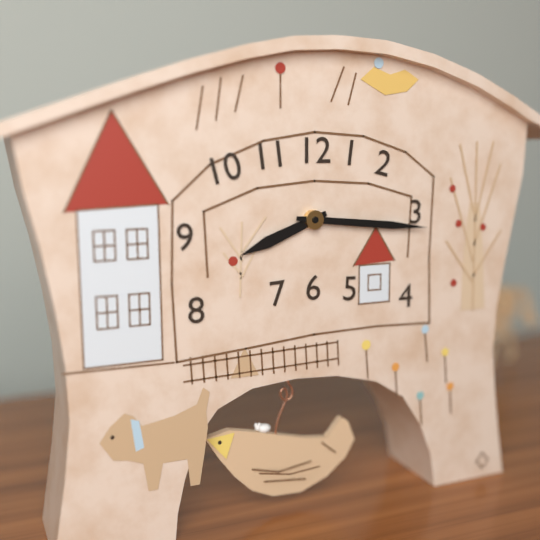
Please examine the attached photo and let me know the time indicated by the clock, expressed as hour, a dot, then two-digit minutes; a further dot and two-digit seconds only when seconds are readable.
8.16
